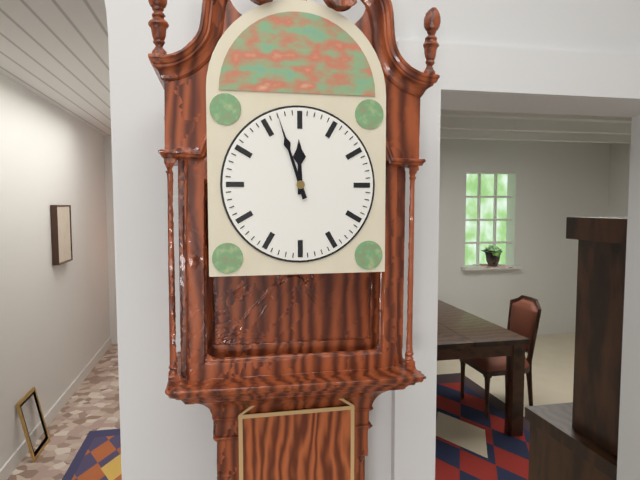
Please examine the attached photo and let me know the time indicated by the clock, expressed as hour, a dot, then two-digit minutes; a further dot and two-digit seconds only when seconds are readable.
11.57
